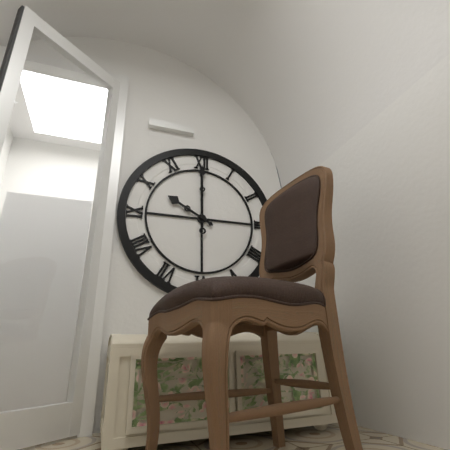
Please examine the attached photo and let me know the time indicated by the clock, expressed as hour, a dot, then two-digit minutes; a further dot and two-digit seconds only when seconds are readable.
10.00
